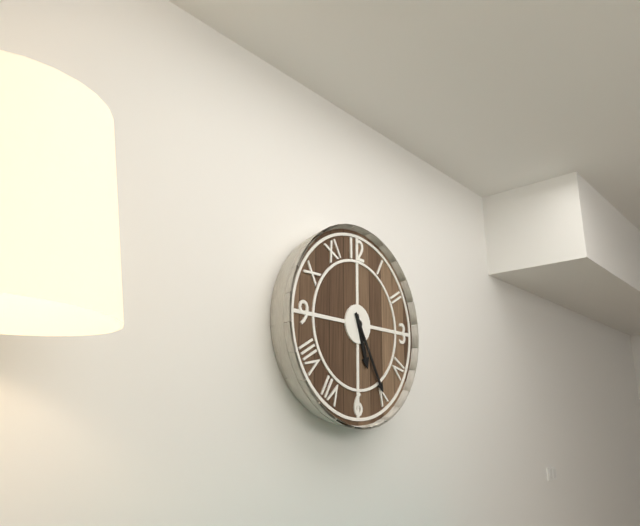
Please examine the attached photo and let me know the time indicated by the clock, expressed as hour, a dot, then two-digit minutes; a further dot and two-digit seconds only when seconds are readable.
5.25
